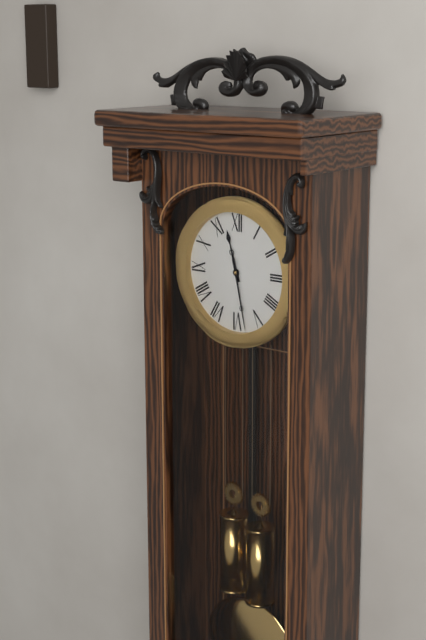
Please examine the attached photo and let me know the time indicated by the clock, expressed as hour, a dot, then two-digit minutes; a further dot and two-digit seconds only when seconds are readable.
11.28
